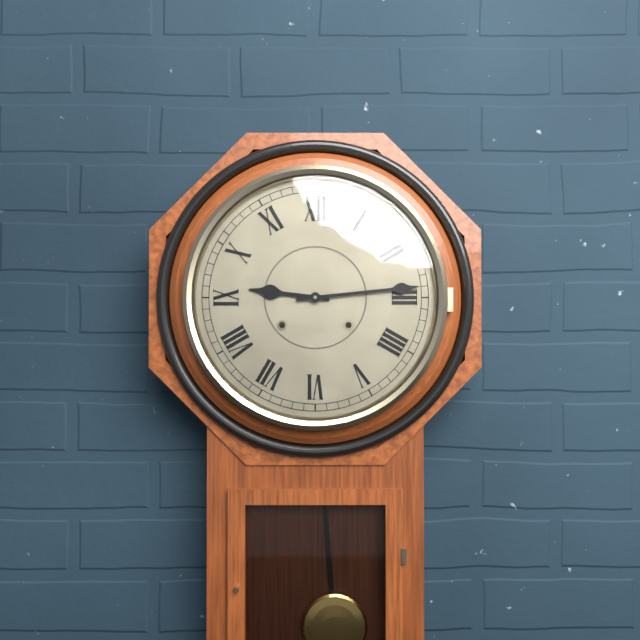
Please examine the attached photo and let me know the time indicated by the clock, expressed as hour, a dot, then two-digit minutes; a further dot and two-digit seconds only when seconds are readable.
9.14
